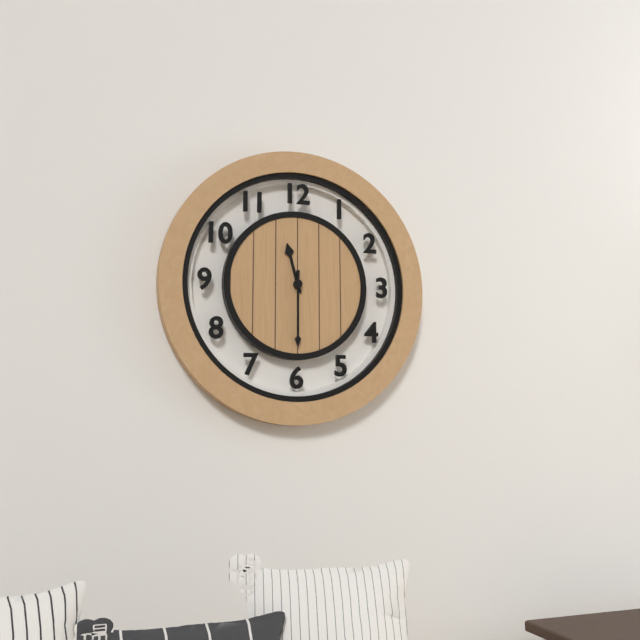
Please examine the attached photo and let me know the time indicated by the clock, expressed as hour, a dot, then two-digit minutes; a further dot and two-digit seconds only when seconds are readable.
11.30
